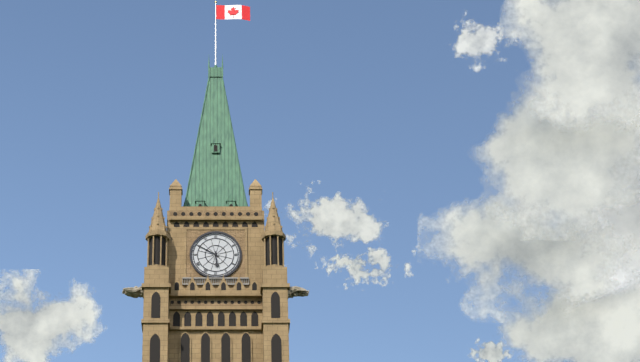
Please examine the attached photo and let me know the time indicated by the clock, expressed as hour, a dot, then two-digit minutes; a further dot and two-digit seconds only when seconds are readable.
5.50
